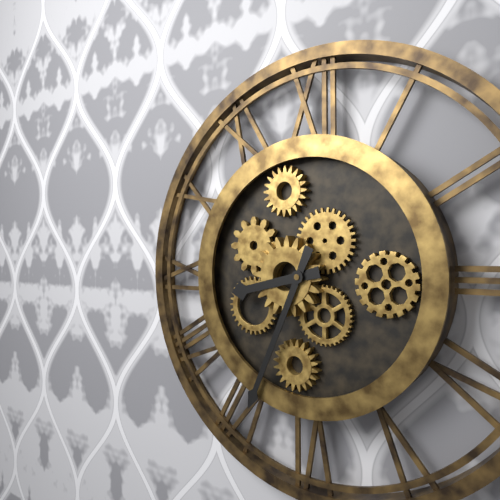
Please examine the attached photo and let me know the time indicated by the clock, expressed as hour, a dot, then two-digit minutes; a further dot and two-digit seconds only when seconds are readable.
8.34
